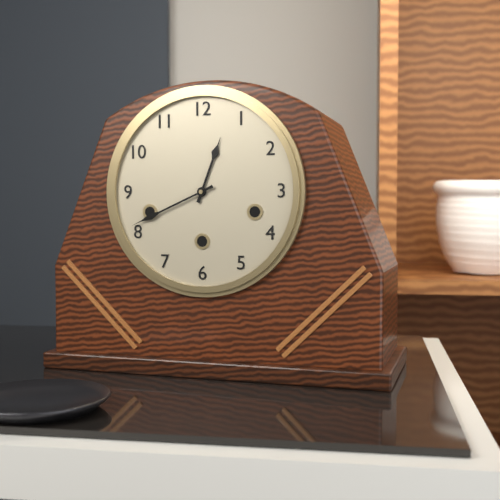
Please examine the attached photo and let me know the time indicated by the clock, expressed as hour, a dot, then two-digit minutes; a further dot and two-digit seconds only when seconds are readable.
12.41
